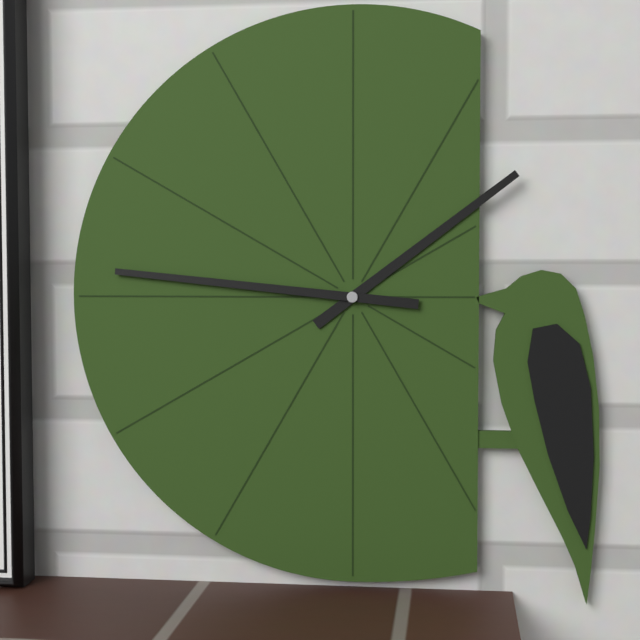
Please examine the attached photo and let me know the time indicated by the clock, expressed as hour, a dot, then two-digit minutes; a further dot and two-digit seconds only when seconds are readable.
1.46
